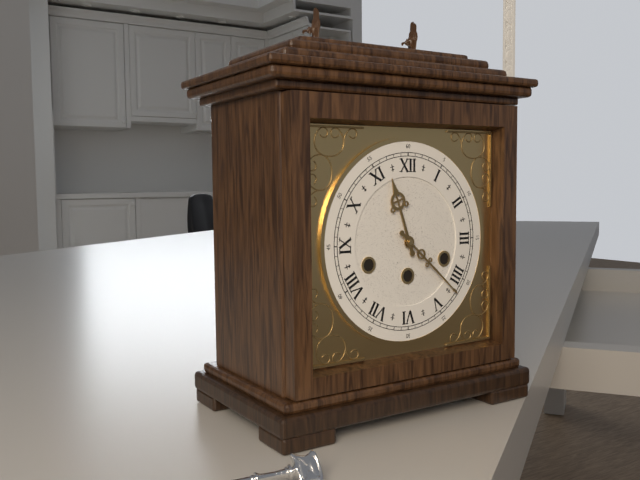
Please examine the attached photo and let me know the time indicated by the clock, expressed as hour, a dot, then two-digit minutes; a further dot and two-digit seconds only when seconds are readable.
11.22
